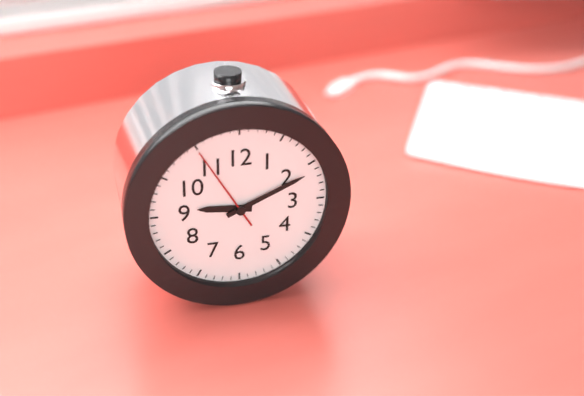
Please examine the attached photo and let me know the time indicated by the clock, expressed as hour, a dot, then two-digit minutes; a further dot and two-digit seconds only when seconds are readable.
9.11.55
